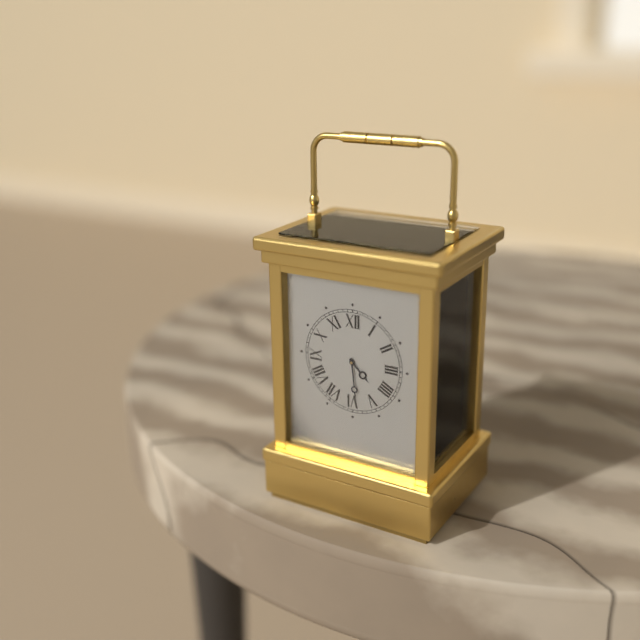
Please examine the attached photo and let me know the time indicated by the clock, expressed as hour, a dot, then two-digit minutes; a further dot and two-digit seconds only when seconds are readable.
4.29
